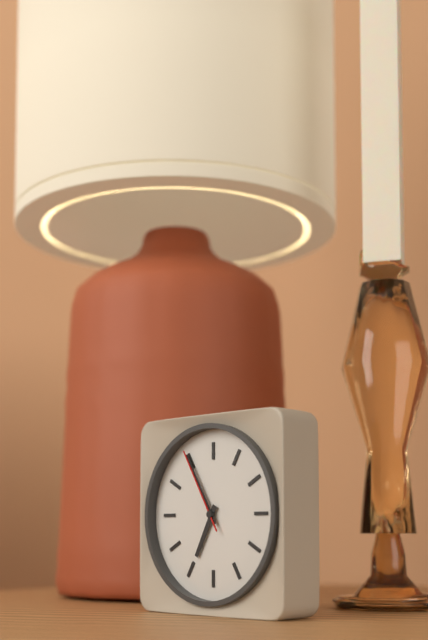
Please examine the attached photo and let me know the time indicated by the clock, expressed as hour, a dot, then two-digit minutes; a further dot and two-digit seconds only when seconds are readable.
6.55.55
